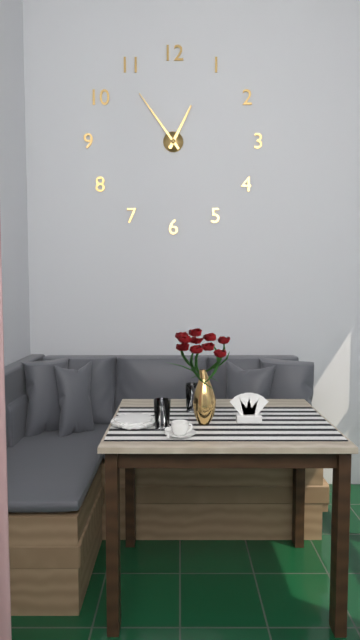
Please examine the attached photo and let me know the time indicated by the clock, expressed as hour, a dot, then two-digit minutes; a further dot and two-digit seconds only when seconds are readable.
12.54
